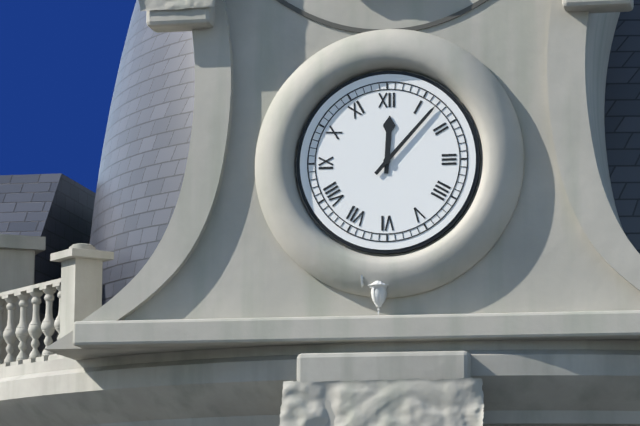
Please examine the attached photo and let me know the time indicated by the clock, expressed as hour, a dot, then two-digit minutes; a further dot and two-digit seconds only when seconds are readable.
12.07
